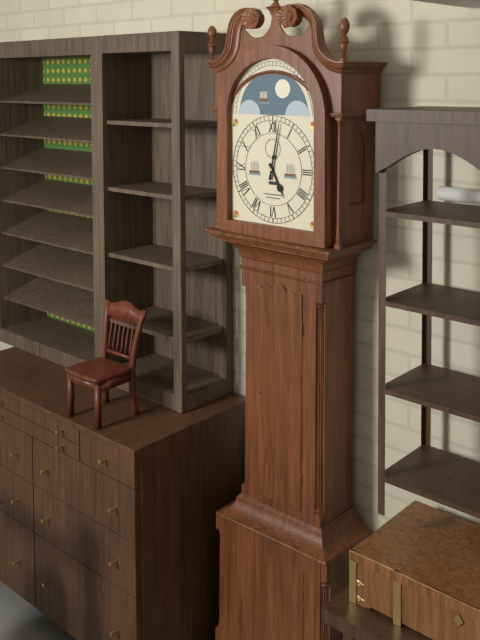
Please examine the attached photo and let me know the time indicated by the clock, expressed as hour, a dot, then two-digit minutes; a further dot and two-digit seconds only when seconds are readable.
5.02
